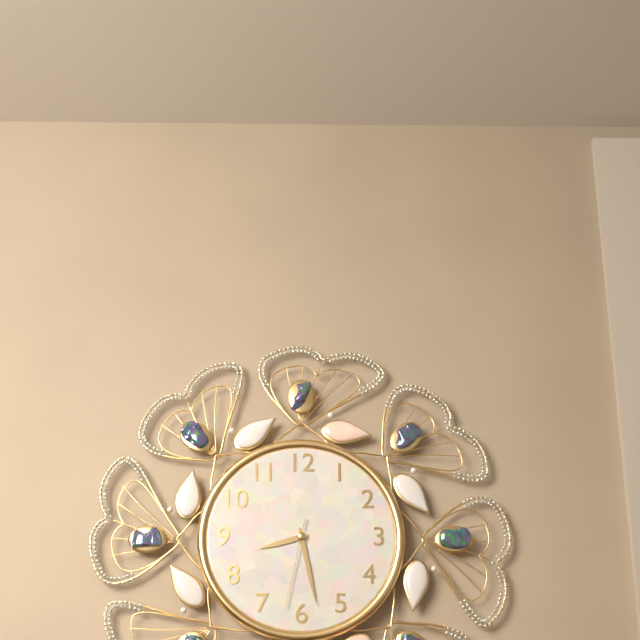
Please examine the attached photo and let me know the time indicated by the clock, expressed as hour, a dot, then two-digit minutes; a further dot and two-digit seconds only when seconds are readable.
8.28.32
